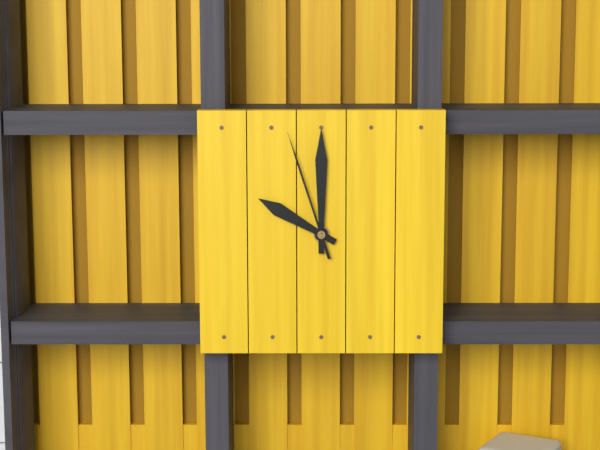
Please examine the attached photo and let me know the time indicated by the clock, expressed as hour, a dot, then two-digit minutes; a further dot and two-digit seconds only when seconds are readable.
10.00.57
